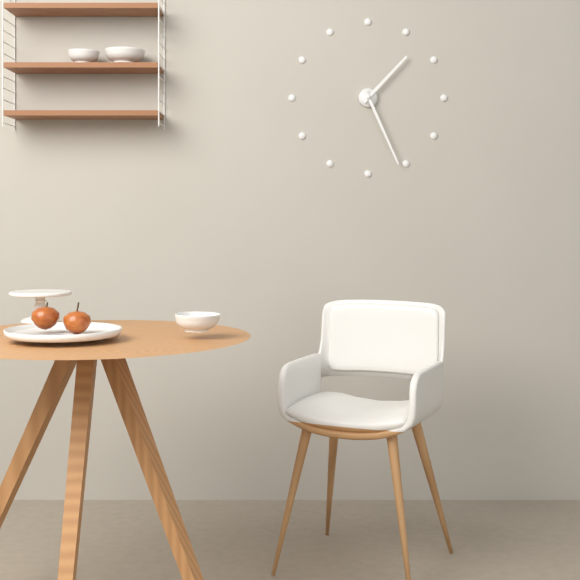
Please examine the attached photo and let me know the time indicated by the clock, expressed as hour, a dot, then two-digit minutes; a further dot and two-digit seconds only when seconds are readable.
1.26
